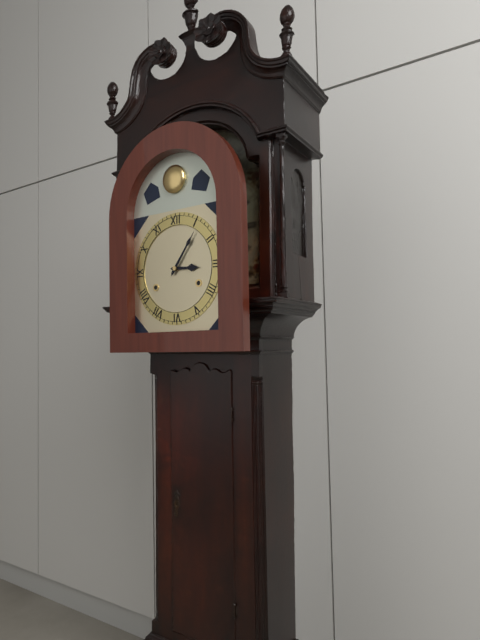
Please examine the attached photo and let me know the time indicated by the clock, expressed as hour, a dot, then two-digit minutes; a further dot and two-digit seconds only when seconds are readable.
3.06
